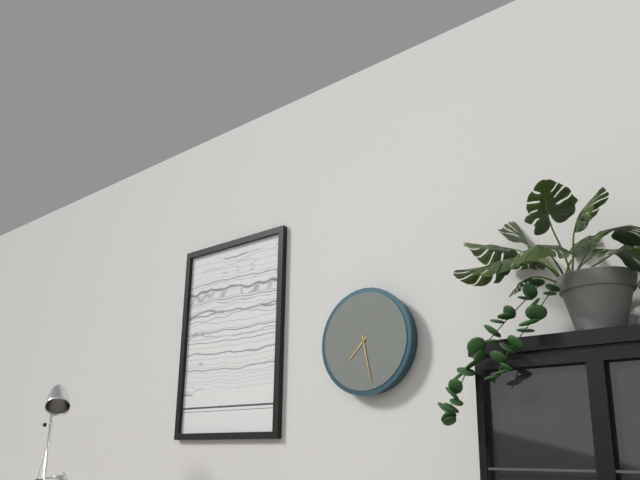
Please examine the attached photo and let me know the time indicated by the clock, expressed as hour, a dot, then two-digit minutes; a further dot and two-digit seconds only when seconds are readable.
7.28
